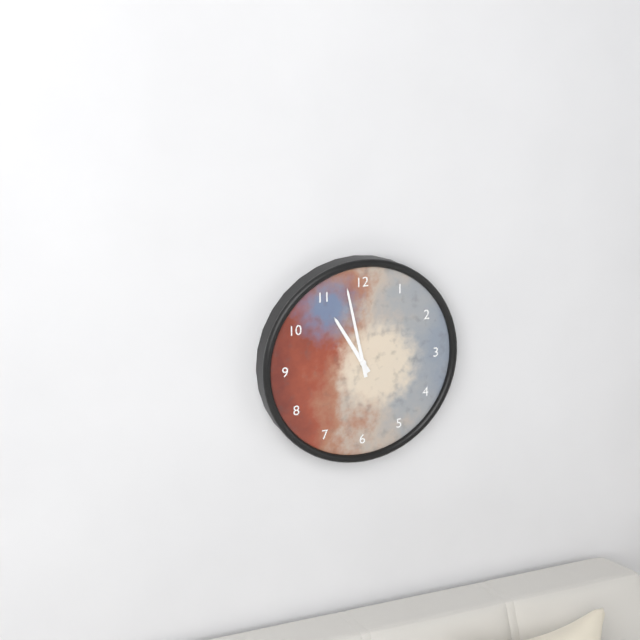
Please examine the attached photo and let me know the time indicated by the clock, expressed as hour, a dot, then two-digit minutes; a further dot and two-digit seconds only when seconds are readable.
10.58
